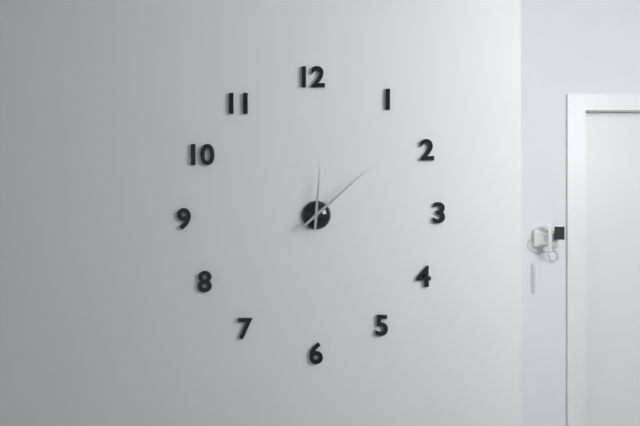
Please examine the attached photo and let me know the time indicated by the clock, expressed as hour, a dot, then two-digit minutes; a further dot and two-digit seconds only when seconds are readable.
12.08
